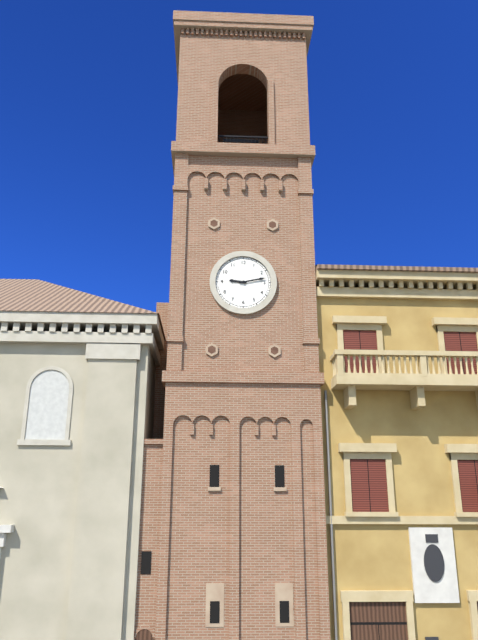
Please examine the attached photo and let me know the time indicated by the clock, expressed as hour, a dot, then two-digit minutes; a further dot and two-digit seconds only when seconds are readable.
9.13
